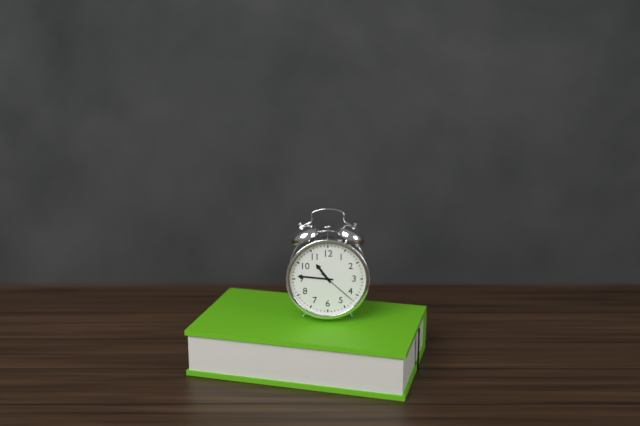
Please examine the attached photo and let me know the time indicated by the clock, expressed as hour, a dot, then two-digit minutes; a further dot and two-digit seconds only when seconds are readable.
10.46
